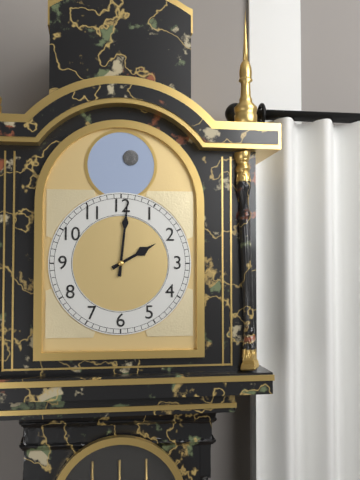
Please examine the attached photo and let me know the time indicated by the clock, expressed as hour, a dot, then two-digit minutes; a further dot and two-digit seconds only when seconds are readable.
2.01
